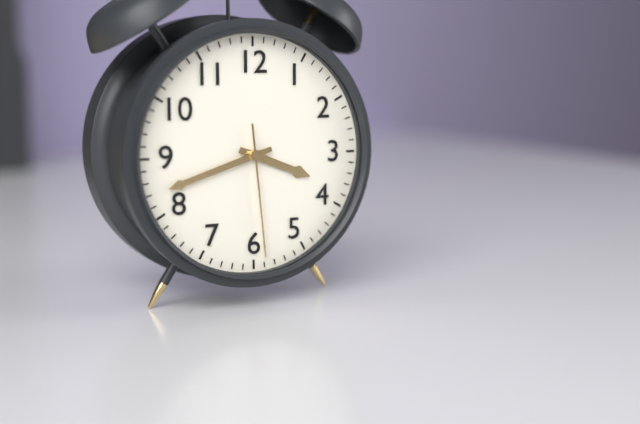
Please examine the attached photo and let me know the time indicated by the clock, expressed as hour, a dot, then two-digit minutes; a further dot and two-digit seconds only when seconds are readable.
3.42.29
